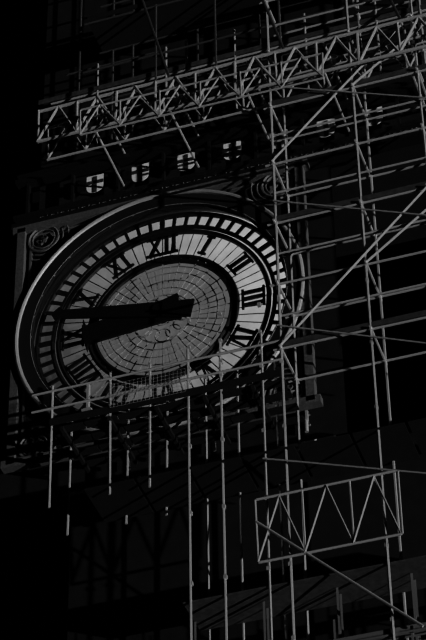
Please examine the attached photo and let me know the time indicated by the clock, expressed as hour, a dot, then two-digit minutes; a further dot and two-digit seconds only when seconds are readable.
8.47
